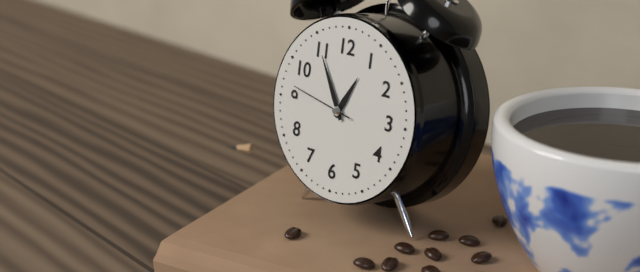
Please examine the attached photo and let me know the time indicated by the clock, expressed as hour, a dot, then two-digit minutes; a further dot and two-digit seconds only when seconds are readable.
12.55.47
